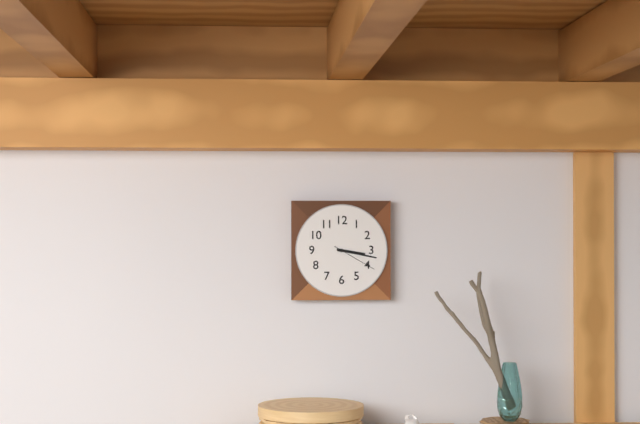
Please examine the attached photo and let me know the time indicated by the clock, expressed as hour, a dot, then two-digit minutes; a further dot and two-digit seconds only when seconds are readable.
3.17
